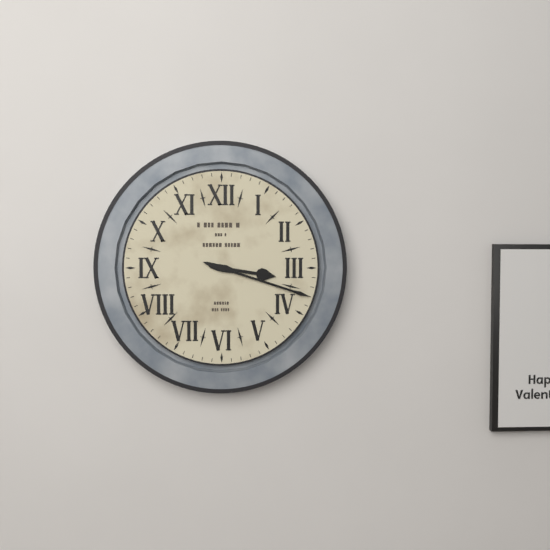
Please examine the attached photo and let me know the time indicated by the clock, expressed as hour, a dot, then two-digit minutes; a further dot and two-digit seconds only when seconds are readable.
3.18
